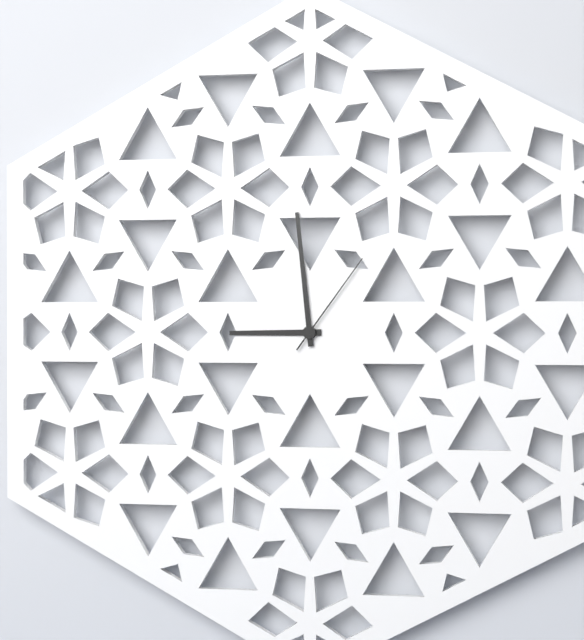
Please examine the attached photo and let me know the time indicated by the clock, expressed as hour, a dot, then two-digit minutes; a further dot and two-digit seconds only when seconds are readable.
8.59.06
